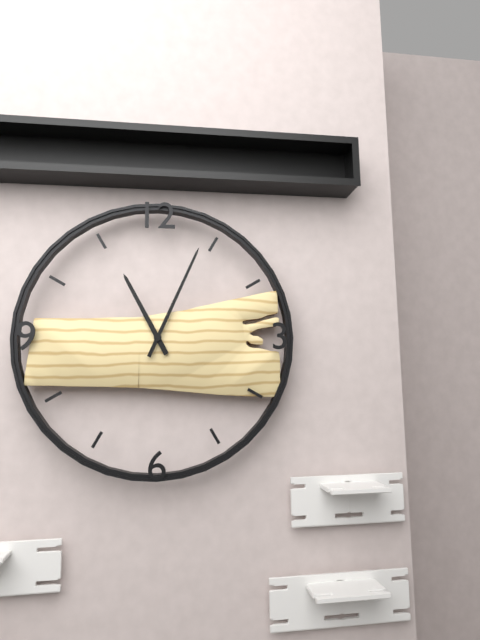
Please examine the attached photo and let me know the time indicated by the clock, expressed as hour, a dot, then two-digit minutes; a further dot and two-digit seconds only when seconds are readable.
11.04
